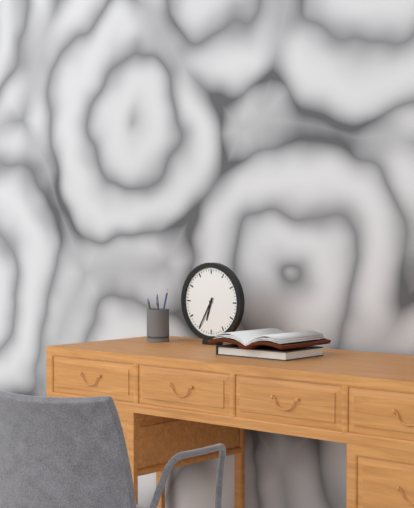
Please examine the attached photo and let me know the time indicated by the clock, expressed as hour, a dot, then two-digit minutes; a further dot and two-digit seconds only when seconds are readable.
6.35
